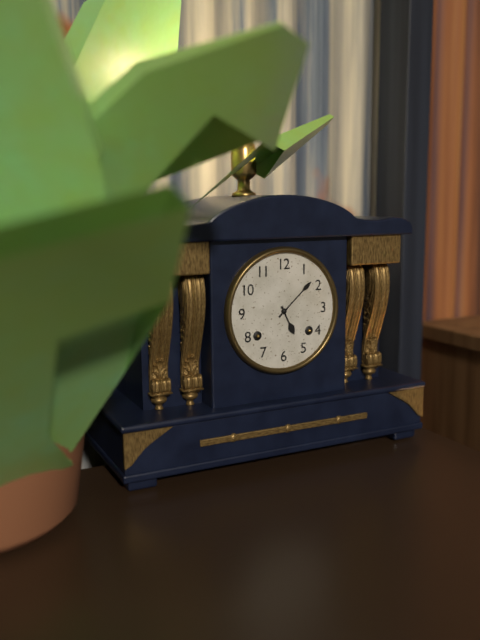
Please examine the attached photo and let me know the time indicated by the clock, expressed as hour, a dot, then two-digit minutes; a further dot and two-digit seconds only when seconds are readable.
5.08
